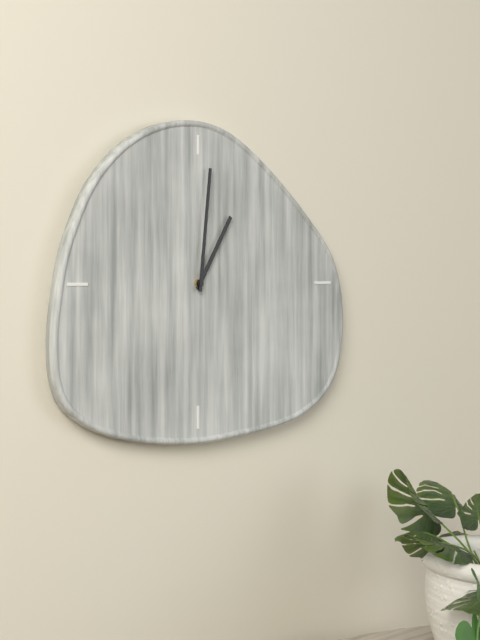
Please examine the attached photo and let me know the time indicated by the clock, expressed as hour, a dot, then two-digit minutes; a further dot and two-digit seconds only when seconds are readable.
1.01
